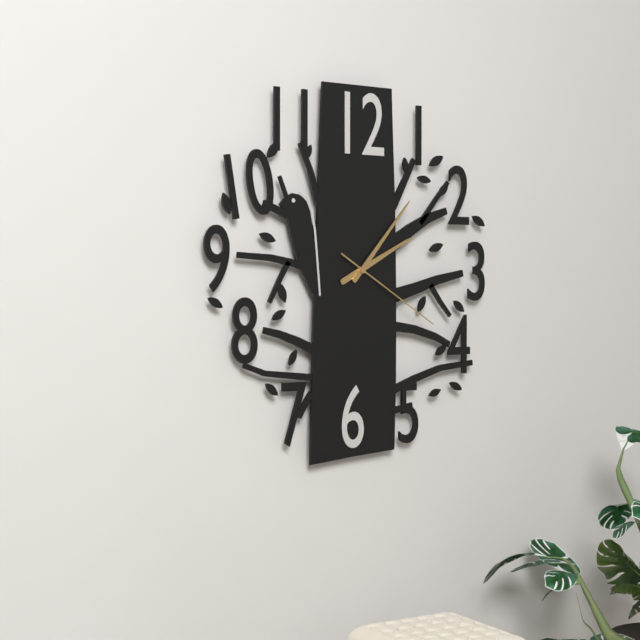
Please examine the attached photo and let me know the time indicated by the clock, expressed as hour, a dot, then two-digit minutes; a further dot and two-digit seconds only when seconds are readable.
2.07.20
